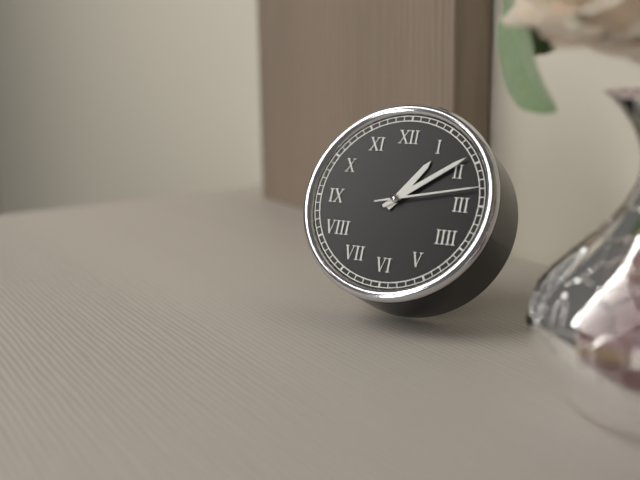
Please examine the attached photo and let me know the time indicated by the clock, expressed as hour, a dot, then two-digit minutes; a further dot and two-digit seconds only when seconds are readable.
1.09.13
